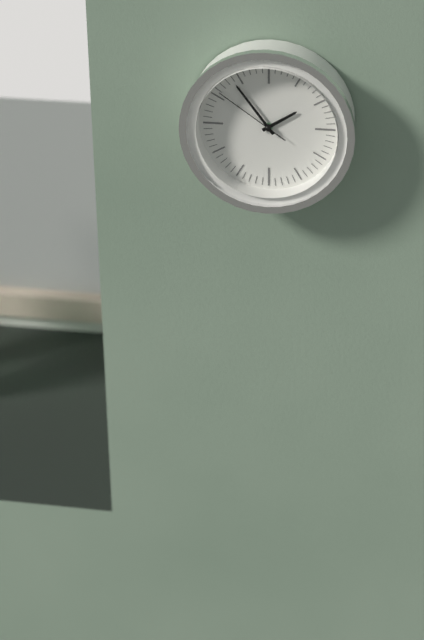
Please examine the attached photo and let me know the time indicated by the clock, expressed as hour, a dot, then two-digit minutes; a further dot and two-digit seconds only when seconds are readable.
1.54.51
